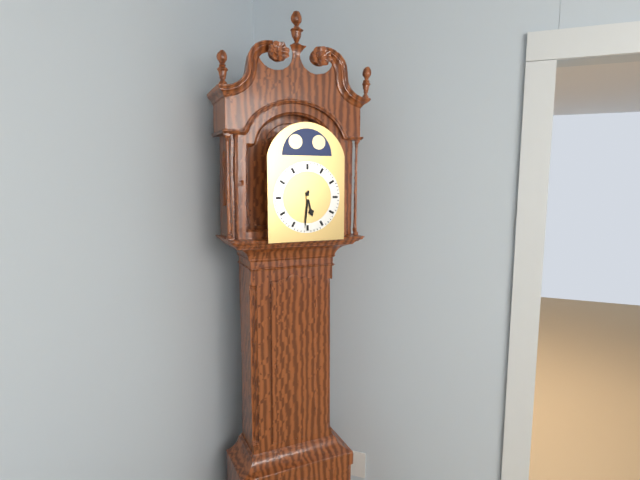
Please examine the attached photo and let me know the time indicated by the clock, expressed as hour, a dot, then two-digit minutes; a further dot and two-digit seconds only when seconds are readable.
5.31
